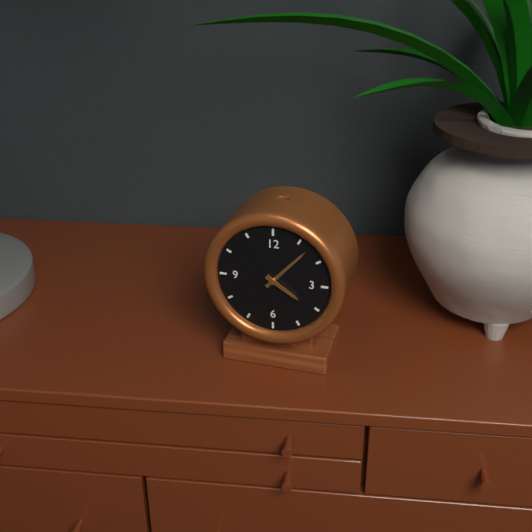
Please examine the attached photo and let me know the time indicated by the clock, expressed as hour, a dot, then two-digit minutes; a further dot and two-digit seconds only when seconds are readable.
4.07
